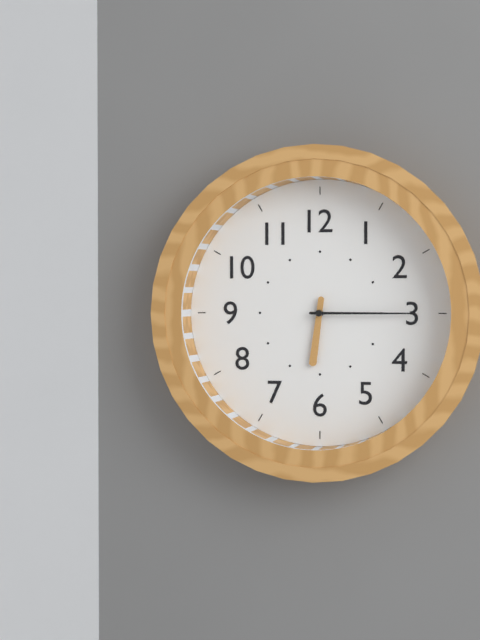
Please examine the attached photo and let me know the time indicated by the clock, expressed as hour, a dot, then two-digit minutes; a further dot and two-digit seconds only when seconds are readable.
6.15
